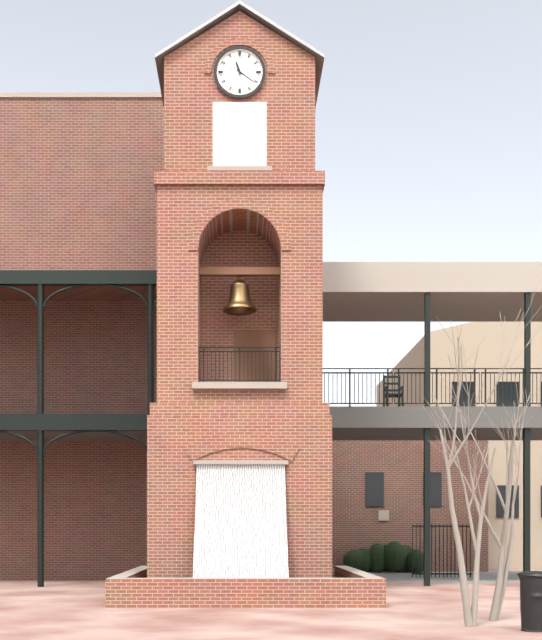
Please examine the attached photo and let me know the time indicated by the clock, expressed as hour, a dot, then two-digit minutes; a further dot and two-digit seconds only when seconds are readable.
11.21
